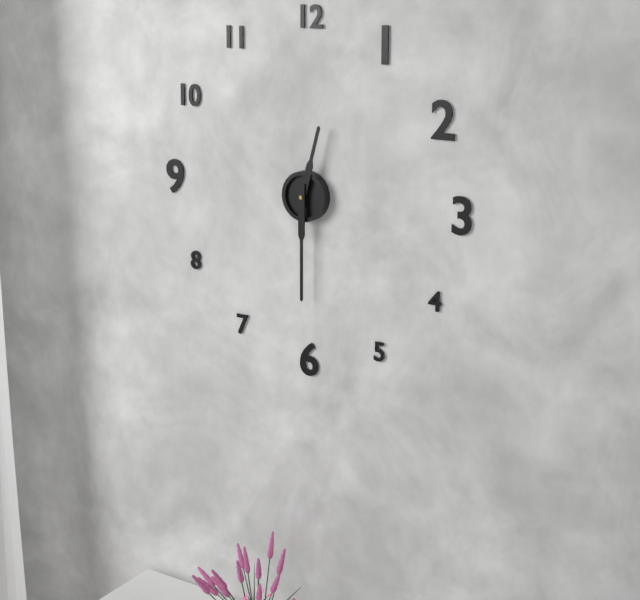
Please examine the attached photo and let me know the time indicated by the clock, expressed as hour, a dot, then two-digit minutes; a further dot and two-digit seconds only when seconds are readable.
12.30
